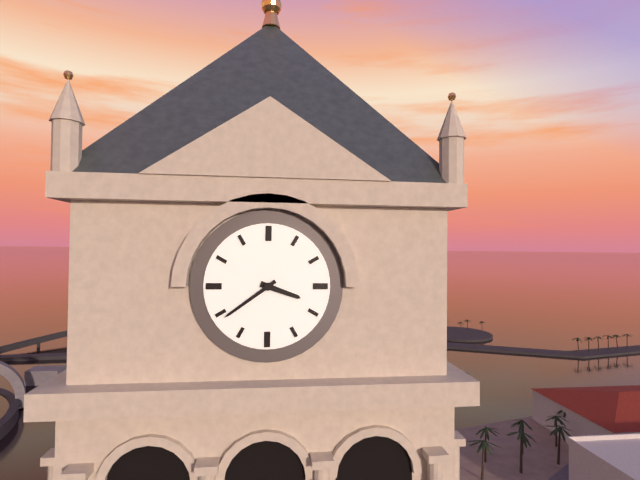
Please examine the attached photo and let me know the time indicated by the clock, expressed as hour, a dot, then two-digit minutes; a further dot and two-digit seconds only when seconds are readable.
3.39
